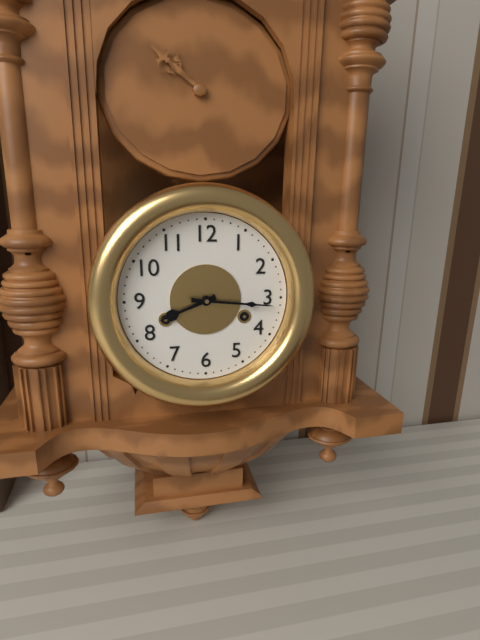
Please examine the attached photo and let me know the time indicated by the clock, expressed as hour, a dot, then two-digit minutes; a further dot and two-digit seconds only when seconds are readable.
8.16
